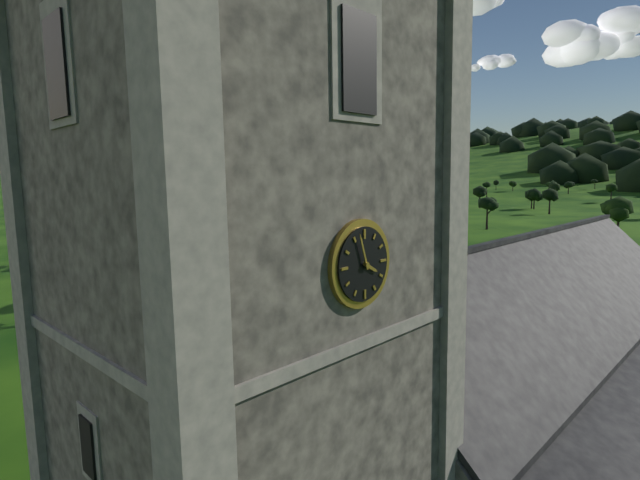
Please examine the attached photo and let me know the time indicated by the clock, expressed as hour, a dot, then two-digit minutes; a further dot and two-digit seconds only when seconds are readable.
3.57
